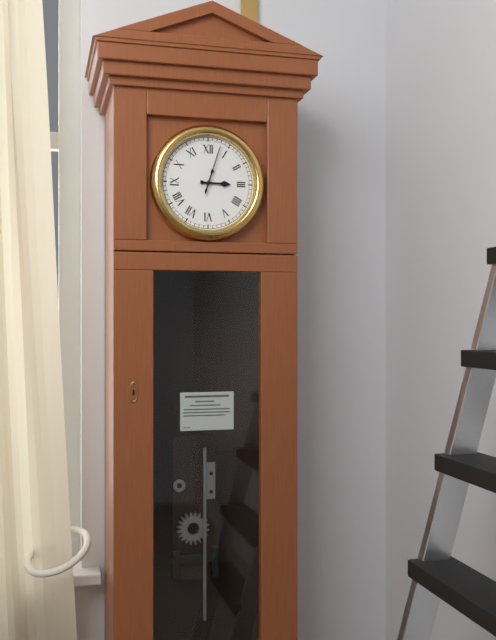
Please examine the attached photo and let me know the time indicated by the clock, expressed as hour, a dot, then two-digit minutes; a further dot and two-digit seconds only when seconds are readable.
3.03
